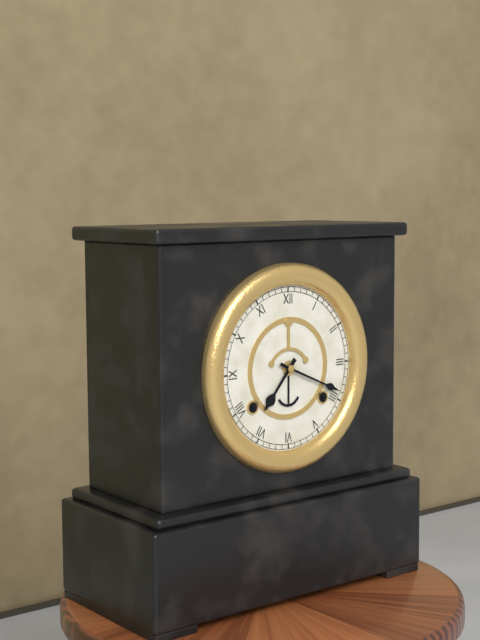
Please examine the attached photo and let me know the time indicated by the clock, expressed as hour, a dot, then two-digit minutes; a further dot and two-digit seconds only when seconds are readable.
7.19
